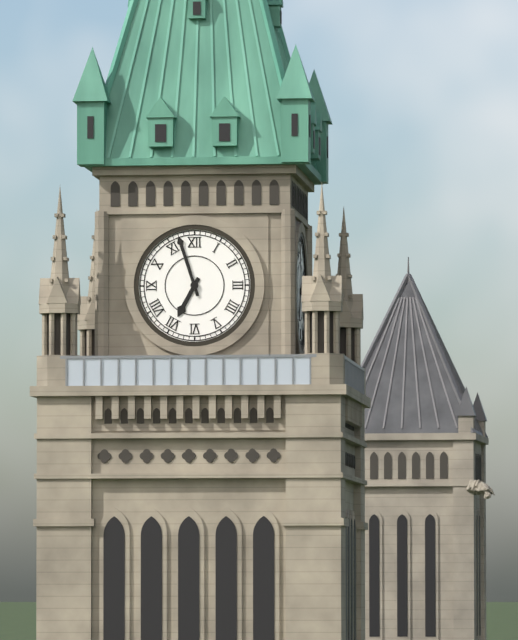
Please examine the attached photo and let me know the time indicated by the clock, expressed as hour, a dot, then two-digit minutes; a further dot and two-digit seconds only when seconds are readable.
6.57
